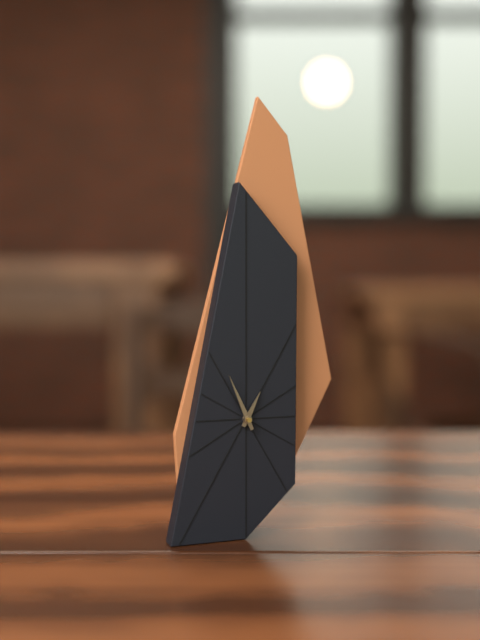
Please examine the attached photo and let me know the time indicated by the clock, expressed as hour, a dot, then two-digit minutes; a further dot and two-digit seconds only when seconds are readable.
12.56
